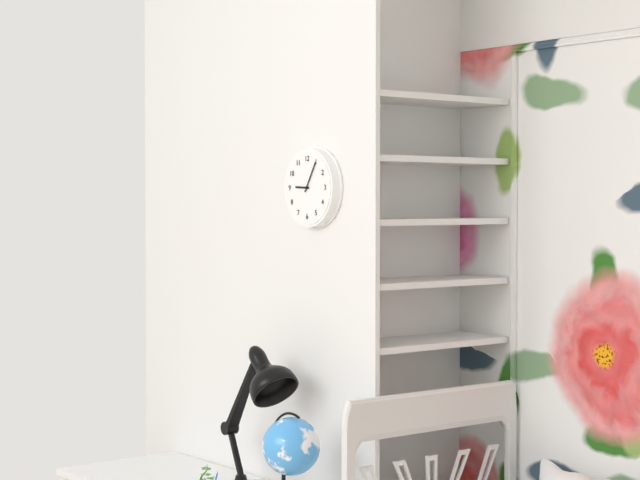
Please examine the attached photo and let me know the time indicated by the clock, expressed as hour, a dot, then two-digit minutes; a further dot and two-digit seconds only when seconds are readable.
9.05
